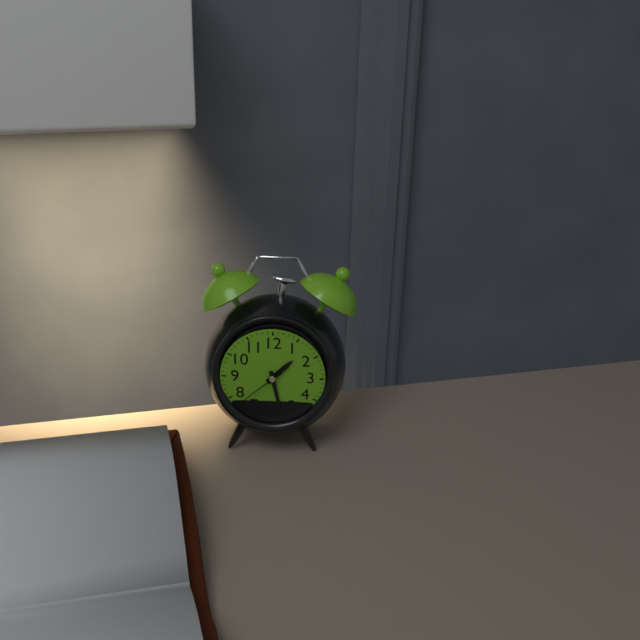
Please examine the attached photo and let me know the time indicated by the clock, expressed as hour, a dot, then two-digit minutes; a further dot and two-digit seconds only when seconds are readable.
1.28.38
